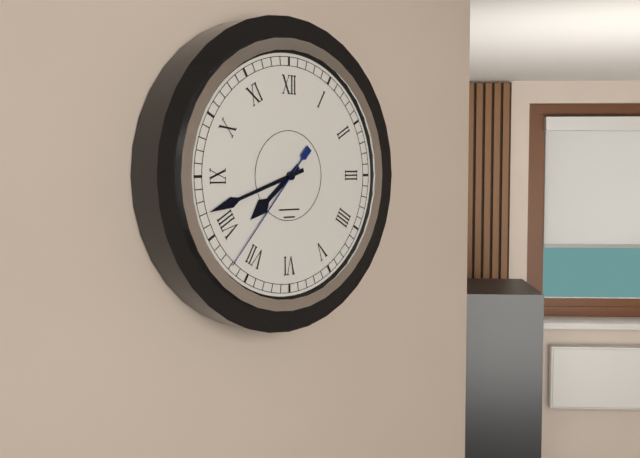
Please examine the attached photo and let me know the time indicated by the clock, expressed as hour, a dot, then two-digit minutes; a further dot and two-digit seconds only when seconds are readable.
7.42.37
